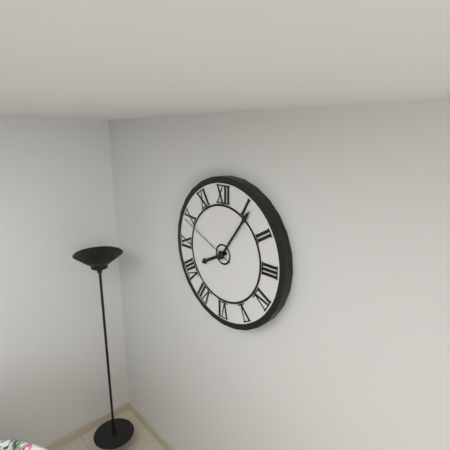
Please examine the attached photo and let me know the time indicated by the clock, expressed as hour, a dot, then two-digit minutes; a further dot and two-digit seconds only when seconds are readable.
8.06.49
